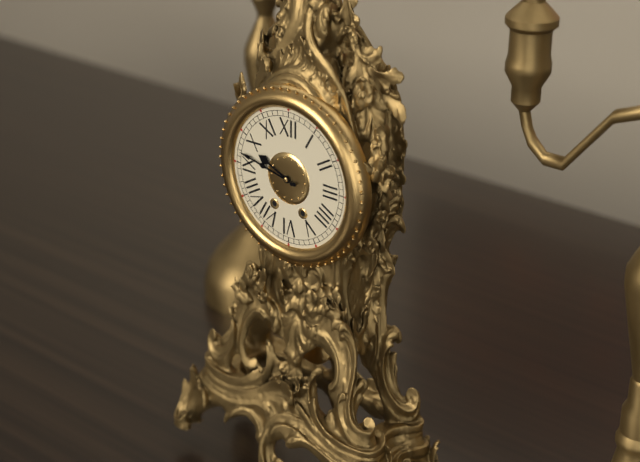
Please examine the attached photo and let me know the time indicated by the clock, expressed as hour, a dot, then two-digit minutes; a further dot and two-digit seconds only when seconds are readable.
9.47
